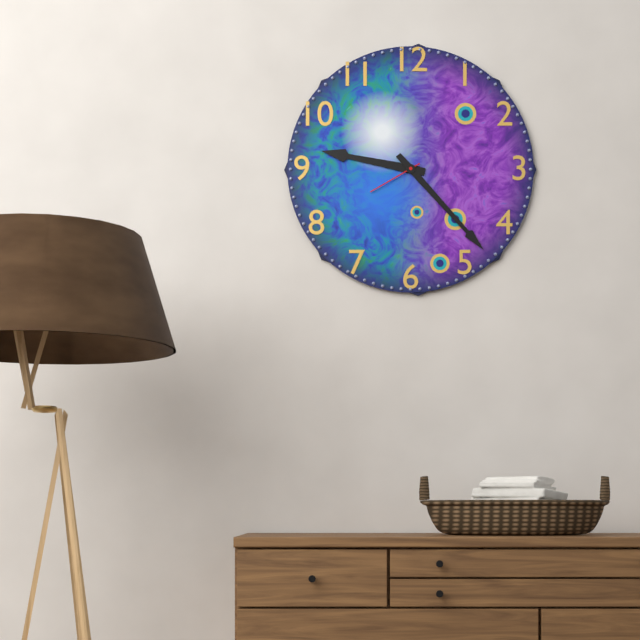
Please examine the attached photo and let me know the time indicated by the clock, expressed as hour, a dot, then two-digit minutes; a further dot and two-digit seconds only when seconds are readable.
9.23.40
